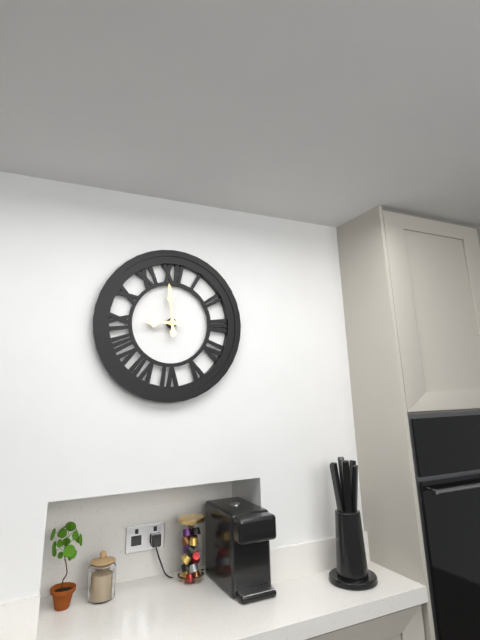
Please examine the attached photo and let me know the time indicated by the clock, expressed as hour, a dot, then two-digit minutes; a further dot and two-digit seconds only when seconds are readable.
8.59
